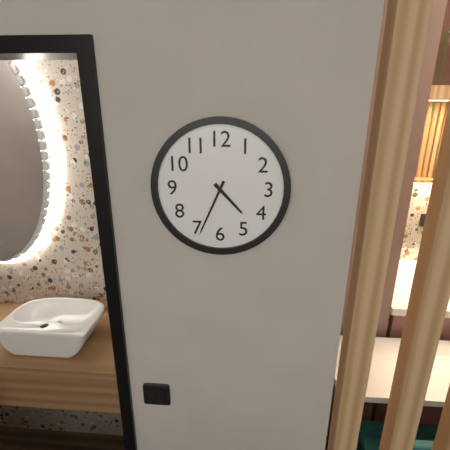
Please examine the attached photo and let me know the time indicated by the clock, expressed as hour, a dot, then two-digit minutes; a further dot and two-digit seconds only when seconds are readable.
4.34
